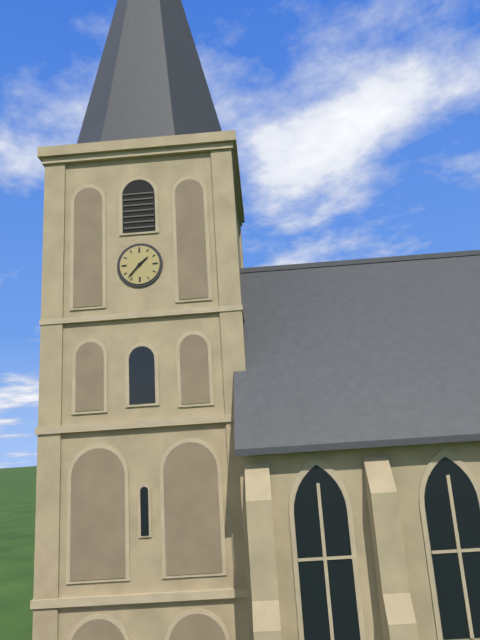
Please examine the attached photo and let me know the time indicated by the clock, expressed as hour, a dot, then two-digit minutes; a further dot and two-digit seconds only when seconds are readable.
1.37
